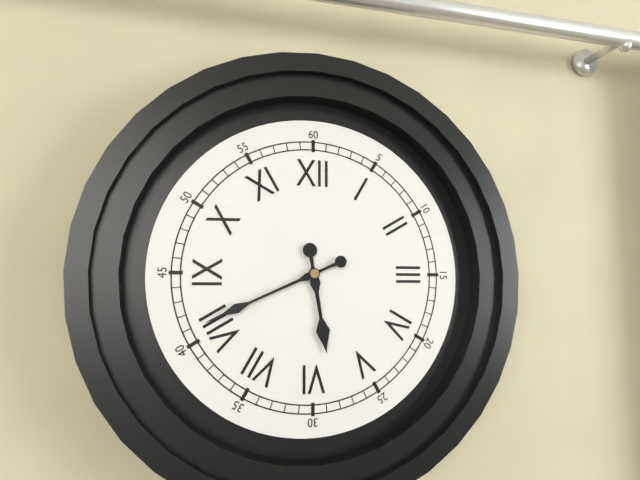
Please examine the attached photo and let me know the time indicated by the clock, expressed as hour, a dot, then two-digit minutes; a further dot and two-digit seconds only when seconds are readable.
5.41
